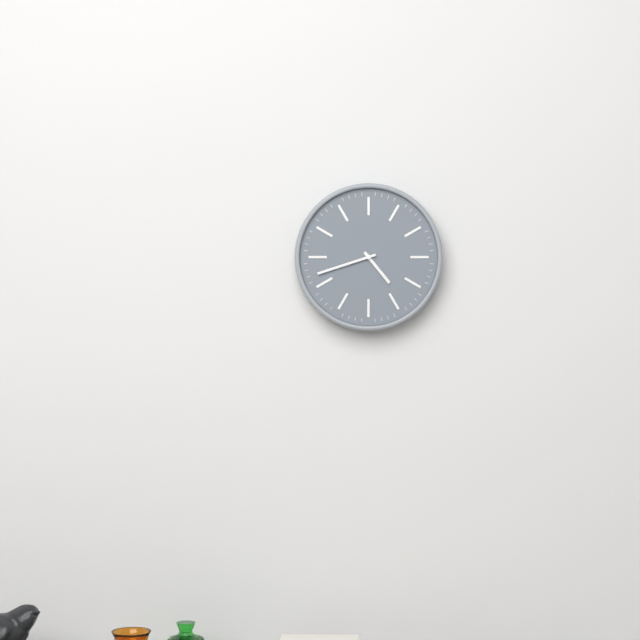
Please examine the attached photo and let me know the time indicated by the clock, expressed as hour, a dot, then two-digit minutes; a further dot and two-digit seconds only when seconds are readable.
4.42
